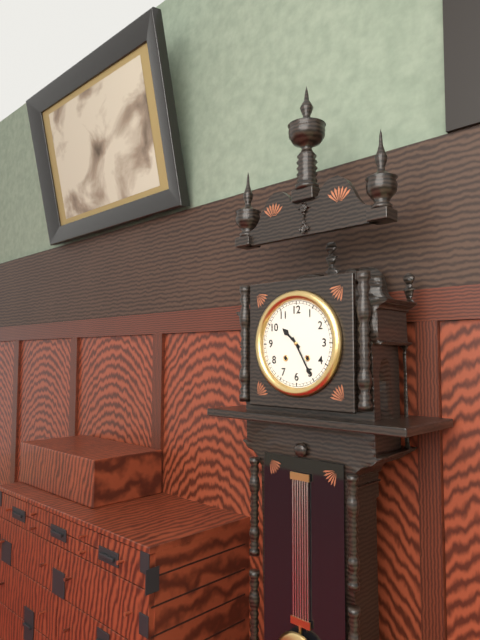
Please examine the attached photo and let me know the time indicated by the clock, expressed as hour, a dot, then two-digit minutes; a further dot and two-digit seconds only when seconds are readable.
10.25
